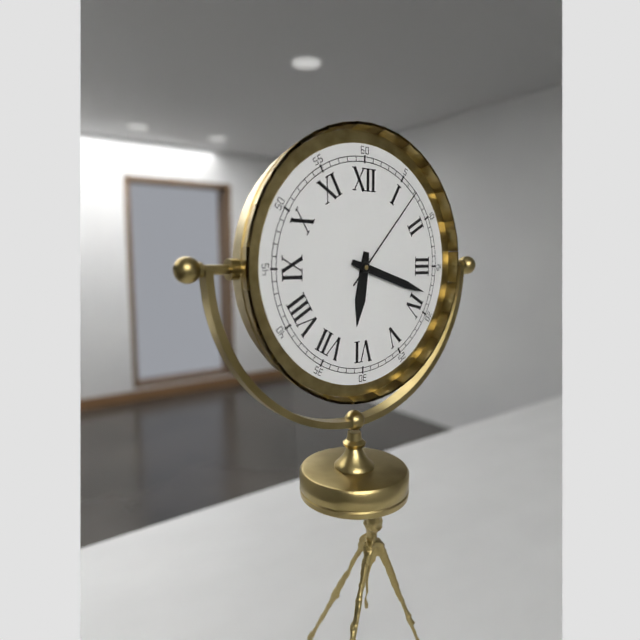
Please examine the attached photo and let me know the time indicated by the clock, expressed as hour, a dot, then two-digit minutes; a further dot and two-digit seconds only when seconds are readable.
6.18.07
